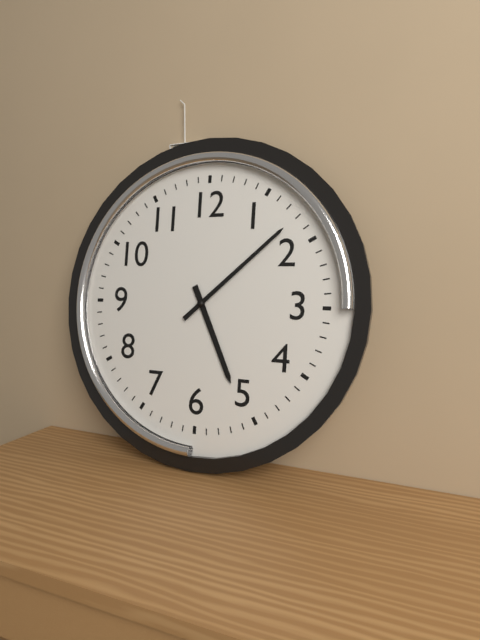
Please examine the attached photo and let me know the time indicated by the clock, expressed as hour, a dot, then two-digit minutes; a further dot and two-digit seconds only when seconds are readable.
5.08
